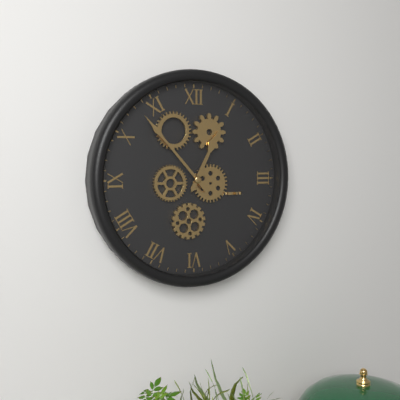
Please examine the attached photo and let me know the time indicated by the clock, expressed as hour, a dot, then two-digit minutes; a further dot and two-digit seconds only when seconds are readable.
12.53
